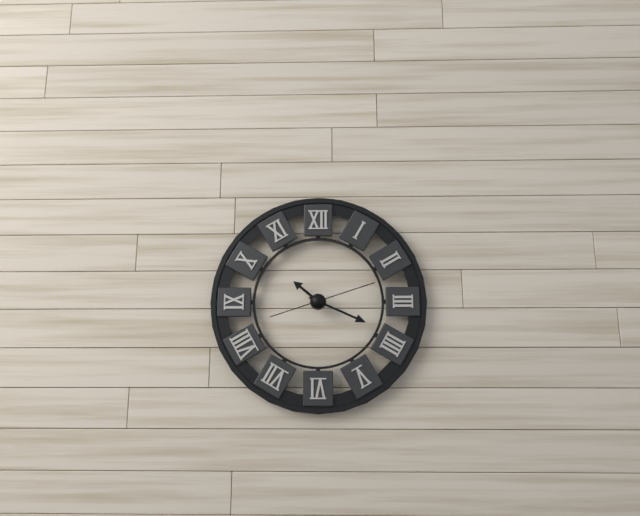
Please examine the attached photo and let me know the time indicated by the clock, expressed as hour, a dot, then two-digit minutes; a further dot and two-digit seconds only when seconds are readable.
10.19.12
